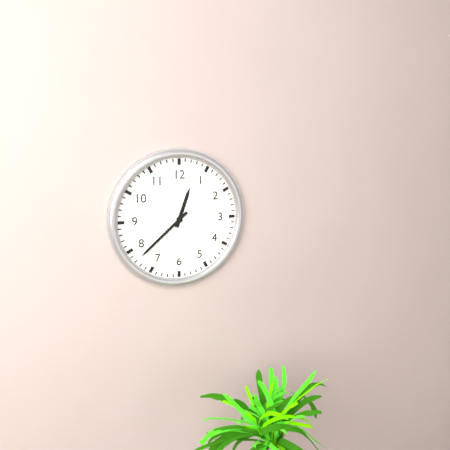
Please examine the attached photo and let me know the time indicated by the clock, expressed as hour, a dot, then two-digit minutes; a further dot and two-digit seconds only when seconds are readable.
12.38
